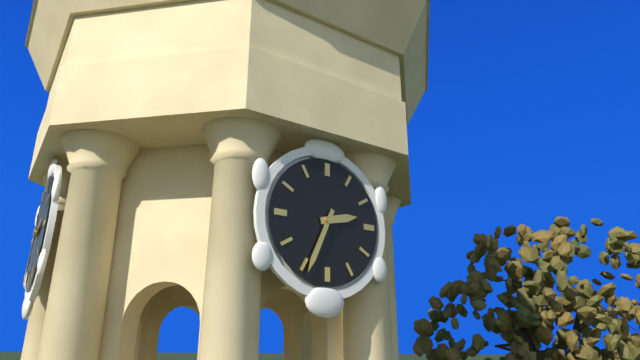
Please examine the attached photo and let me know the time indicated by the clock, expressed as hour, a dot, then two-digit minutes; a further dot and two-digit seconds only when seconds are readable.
2.34
